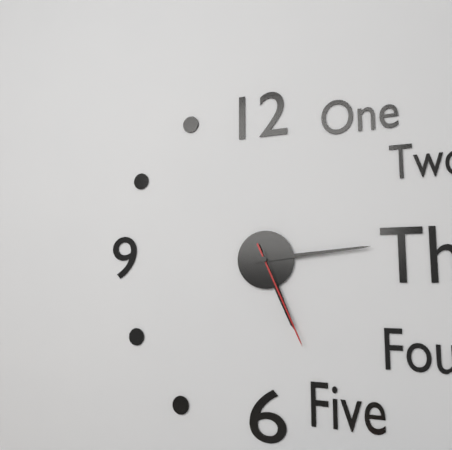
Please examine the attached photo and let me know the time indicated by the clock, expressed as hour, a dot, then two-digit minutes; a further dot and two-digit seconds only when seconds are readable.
5.14.26
